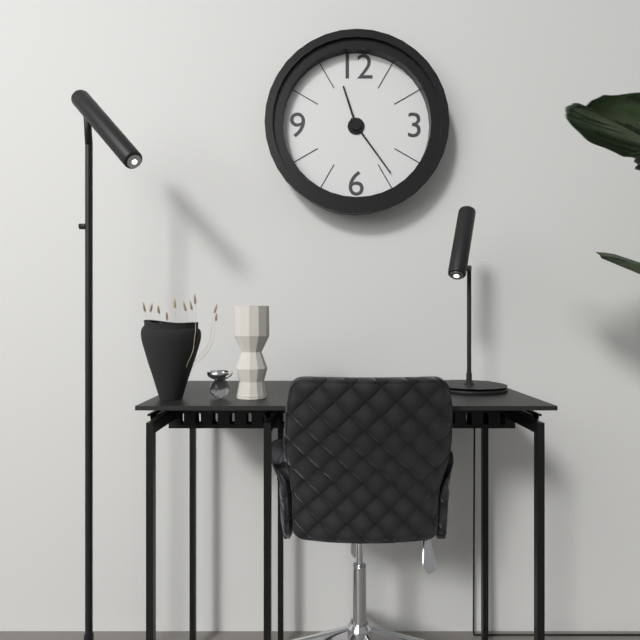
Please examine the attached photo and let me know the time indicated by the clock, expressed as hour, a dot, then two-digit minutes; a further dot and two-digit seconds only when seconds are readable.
11.24
